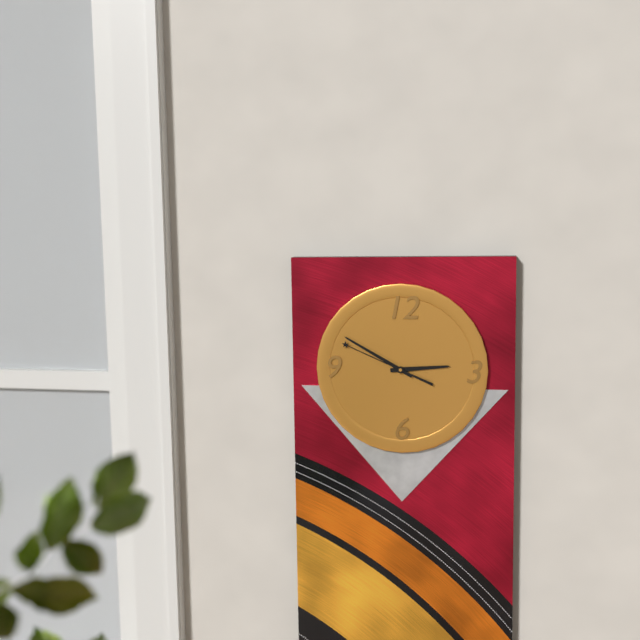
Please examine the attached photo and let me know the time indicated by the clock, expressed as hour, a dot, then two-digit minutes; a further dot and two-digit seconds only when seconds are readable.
2.50.49
